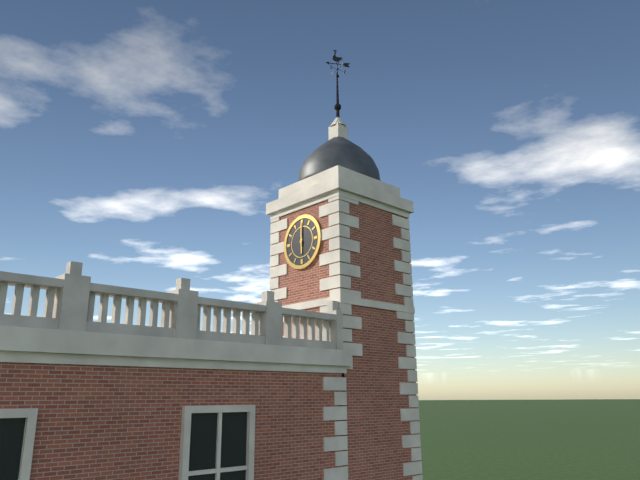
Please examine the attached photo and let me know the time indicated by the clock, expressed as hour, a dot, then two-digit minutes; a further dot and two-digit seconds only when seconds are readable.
6.00
